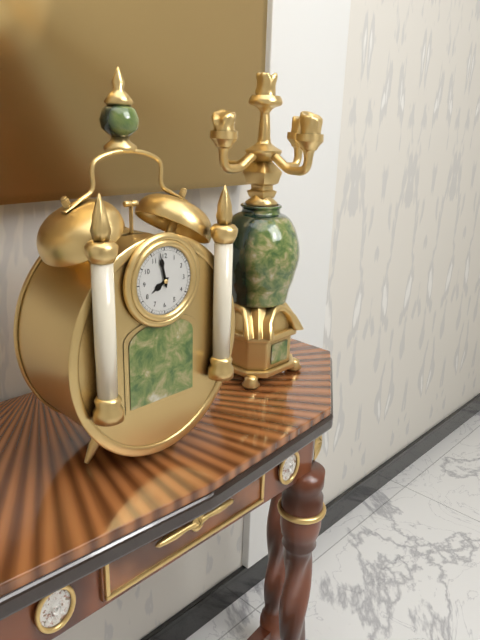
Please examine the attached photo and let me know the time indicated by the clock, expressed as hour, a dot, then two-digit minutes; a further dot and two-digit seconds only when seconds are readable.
7.58
